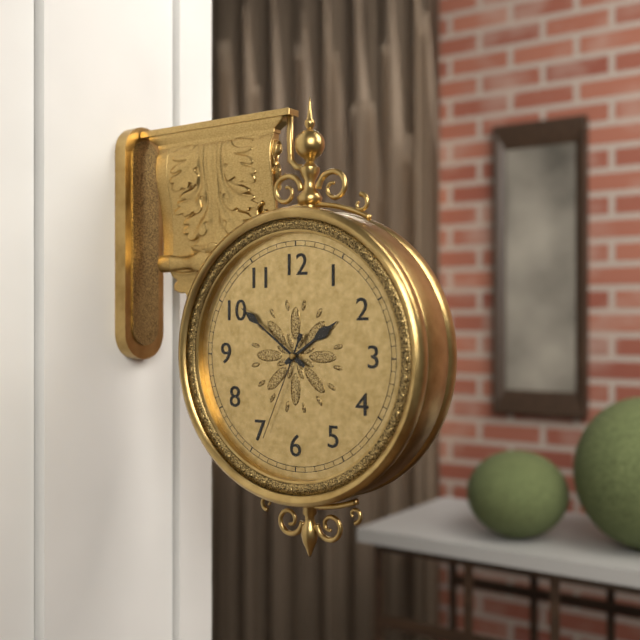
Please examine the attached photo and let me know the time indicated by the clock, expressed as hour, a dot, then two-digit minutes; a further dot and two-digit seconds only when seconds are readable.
1.51.34
